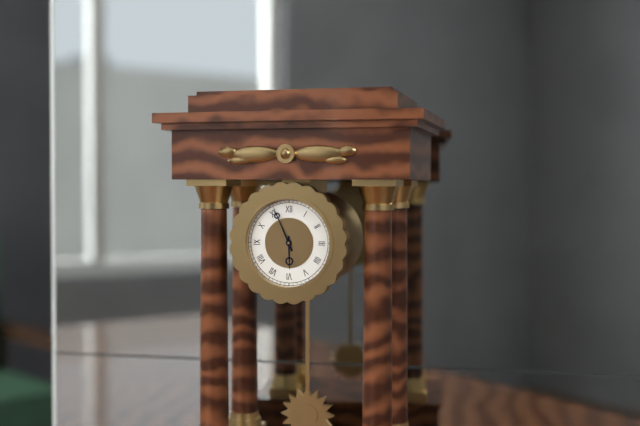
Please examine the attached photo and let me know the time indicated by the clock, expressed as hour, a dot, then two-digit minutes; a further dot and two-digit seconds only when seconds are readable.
5.56
